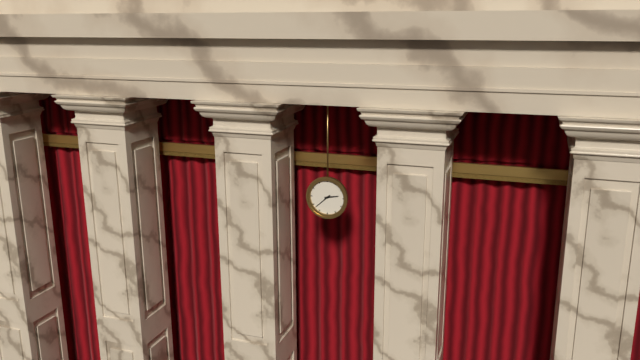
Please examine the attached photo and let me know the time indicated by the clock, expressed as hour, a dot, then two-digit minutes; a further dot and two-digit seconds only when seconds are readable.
2.38
